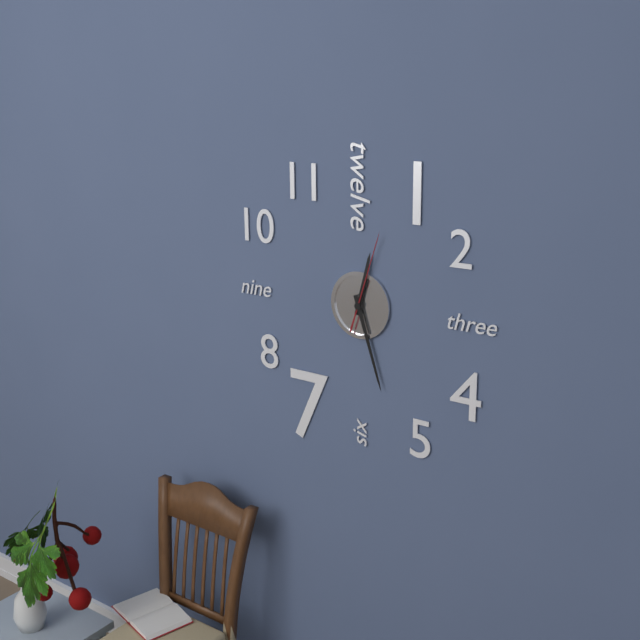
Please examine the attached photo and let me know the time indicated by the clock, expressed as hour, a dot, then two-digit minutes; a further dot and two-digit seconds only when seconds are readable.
12.27.03
